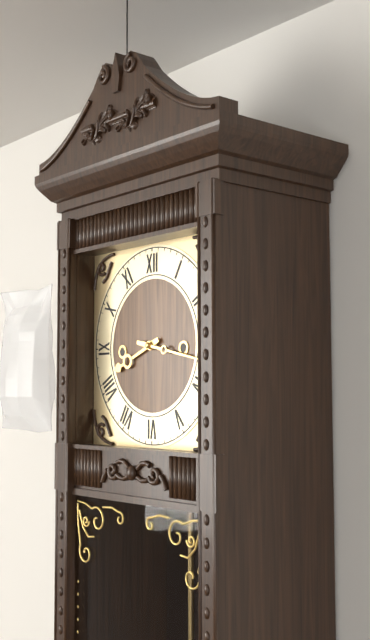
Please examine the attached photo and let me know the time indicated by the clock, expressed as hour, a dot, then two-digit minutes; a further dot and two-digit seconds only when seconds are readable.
8.17
